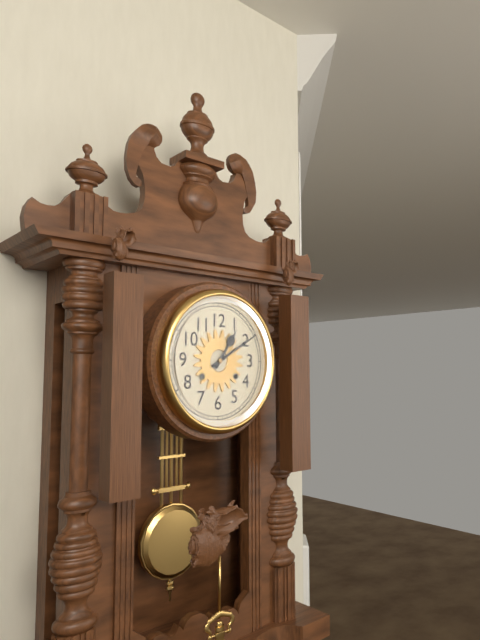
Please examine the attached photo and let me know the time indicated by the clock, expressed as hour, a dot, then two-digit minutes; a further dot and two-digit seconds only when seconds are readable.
1.10
